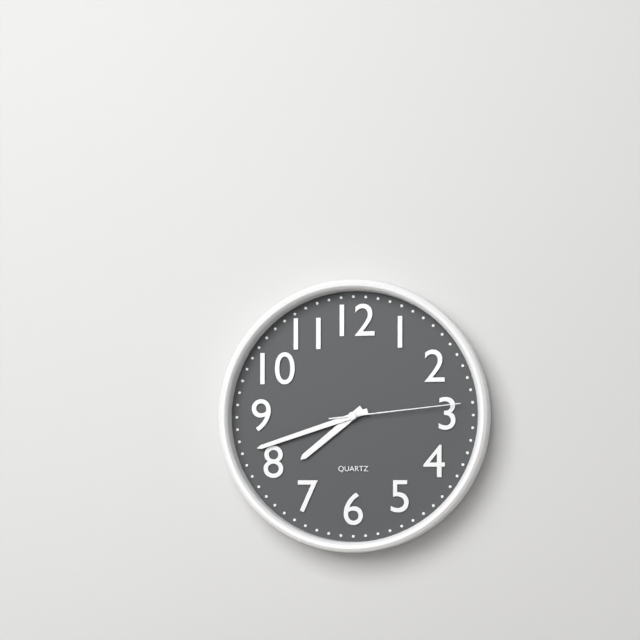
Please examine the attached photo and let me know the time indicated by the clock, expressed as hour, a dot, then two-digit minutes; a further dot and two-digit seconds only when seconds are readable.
7.42.14
